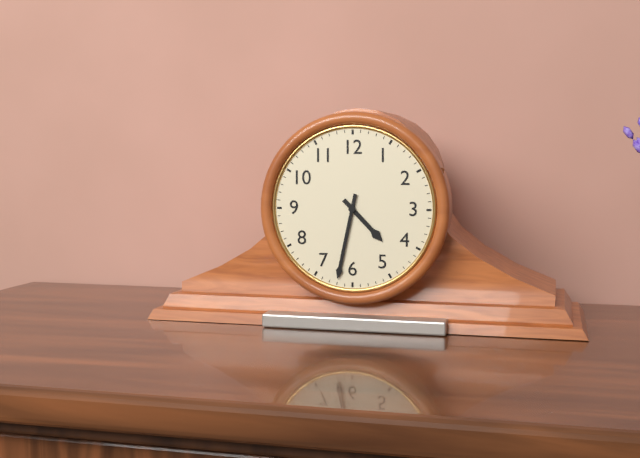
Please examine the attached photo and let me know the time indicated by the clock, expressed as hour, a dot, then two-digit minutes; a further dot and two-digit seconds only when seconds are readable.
4.32
